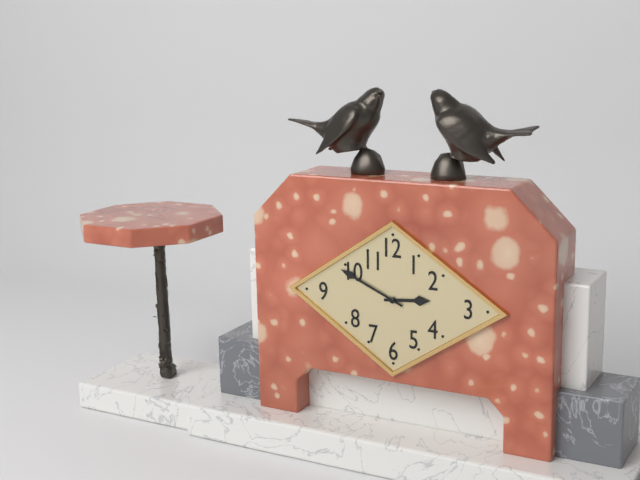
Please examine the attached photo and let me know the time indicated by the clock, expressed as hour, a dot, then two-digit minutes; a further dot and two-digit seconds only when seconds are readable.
2.49
